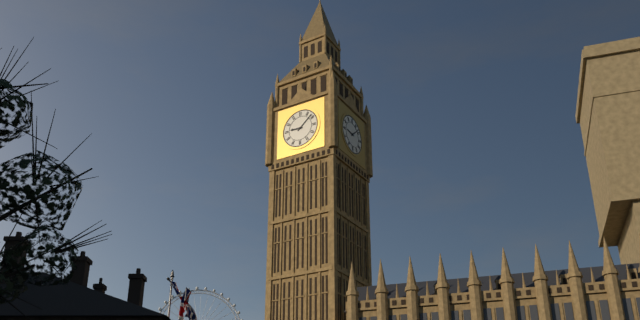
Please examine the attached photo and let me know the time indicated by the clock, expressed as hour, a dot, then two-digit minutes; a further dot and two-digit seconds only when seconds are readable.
9.08
